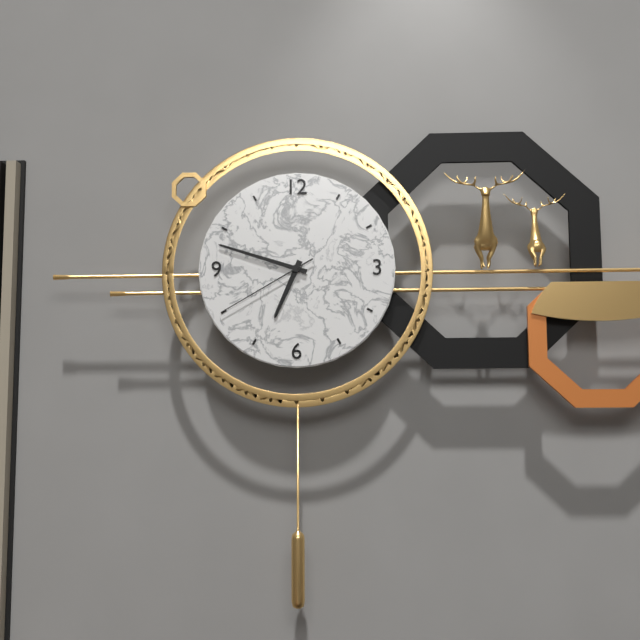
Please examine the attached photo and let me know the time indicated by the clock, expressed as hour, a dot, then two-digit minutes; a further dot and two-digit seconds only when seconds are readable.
6.48.40
